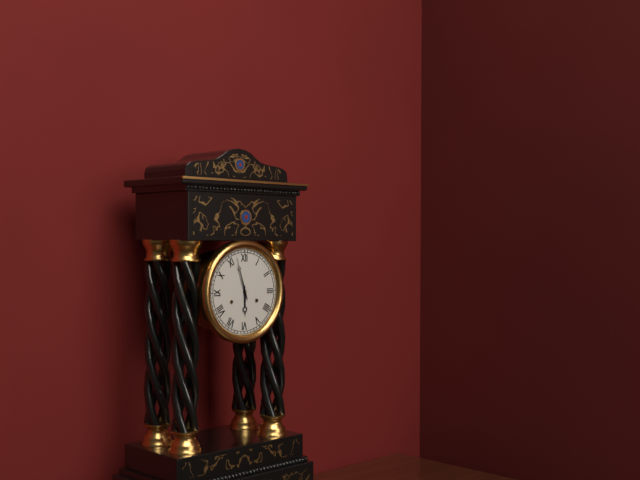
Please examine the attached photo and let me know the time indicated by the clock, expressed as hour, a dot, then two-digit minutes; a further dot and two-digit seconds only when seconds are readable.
5.57
